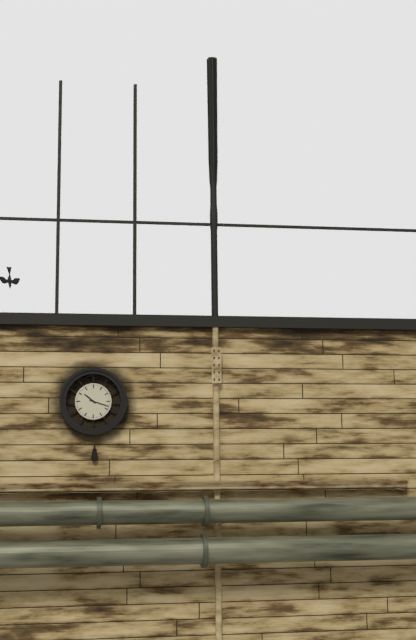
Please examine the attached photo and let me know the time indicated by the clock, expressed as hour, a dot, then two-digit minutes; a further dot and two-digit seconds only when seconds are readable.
10.18
